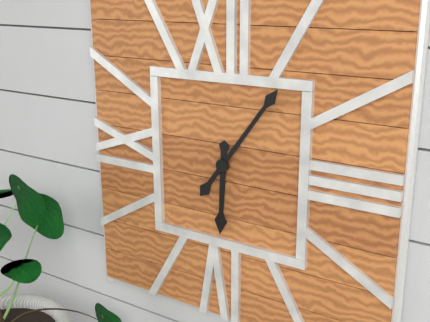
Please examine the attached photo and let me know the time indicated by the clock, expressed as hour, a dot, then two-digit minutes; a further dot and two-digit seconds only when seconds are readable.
6.06
